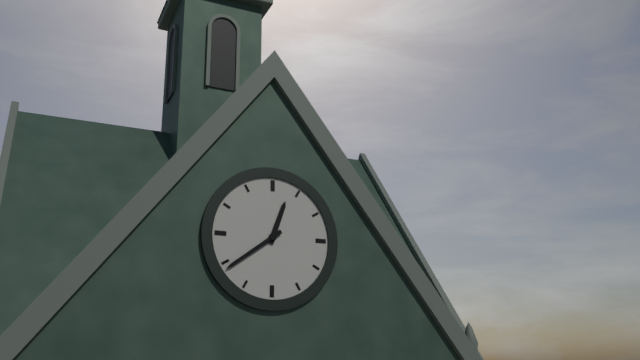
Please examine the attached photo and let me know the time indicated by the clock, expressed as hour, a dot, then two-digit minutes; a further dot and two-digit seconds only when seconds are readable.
12.39
